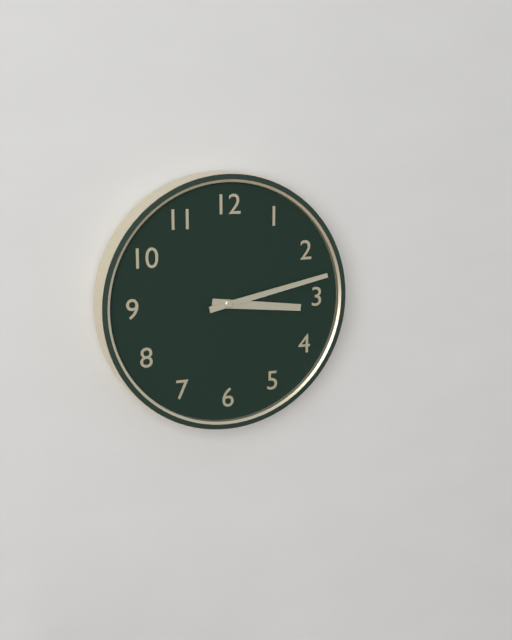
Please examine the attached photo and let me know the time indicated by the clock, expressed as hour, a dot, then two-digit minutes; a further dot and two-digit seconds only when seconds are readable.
3.13
